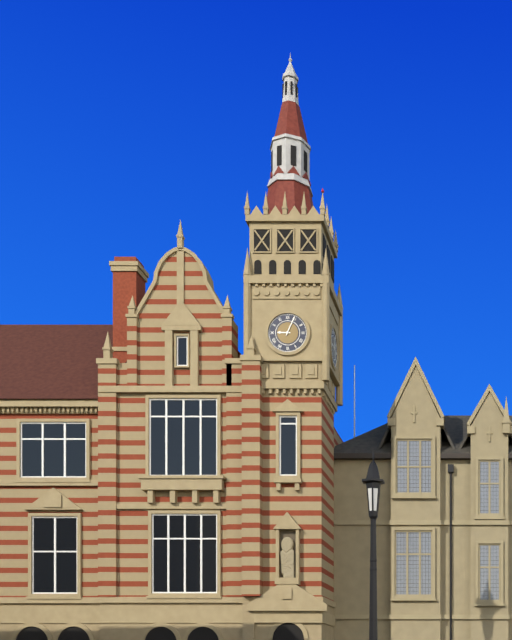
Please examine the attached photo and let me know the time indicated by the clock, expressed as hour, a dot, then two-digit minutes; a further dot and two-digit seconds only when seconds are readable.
9.04
